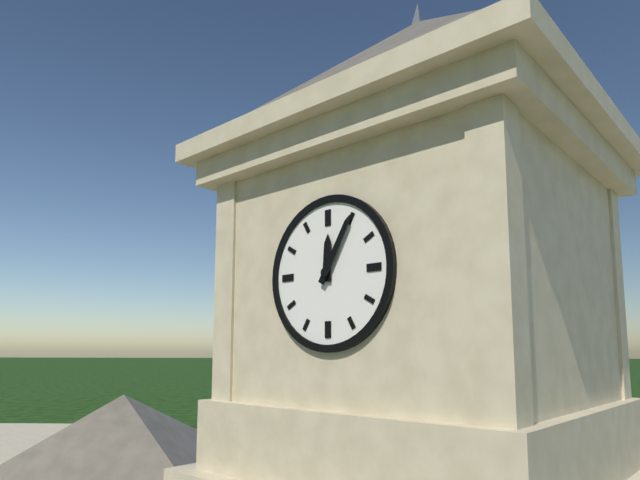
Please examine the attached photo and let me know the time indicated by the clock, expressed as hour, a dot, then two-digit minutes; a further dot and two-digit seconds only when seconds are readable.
12.05
